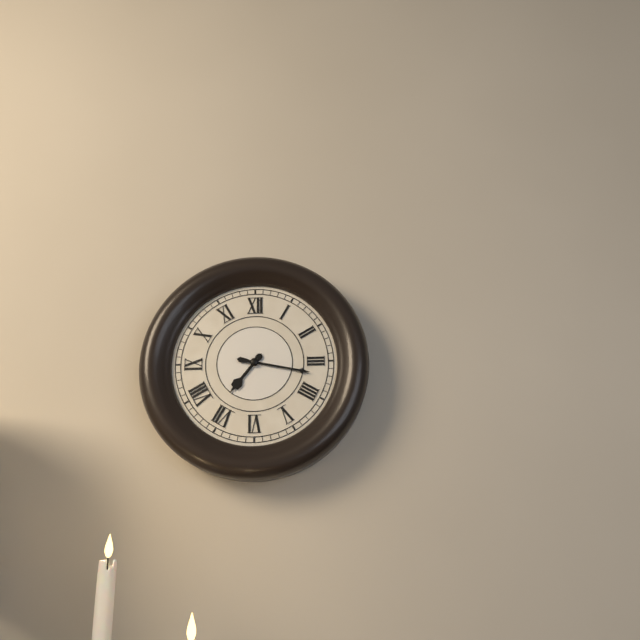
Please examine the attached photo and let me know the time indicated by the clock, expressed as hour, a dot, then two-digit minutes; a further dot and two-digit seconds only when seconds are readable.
7.17
